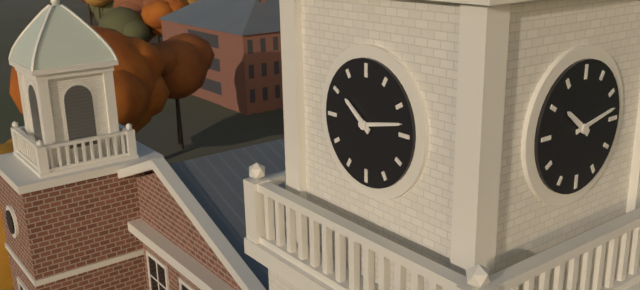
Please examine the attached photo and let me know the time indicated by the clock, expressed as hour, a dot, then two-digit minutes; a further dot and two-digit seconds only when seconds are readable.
10.13
